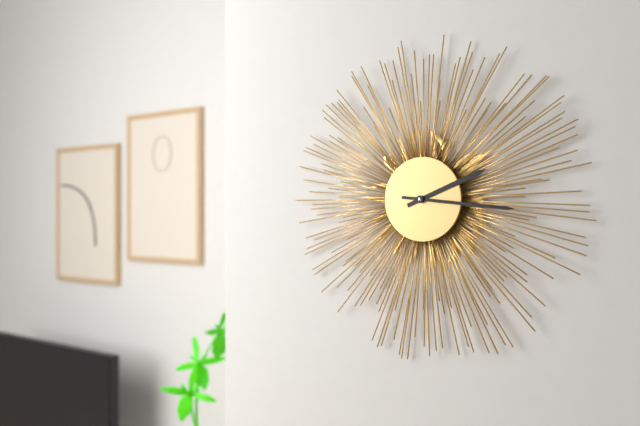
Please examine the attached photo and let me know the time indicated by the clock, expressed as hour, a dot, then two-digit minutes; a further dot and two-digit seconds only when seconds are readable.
2.16
